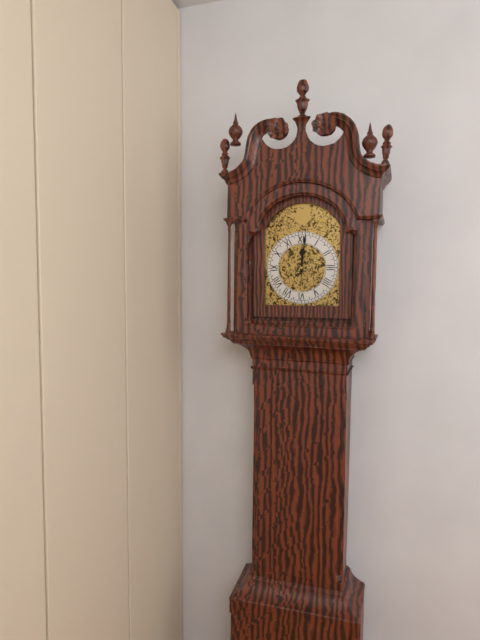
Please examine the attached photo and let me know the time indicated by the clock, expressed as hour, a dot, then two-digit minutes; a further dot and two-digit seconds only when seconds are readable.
12.01
